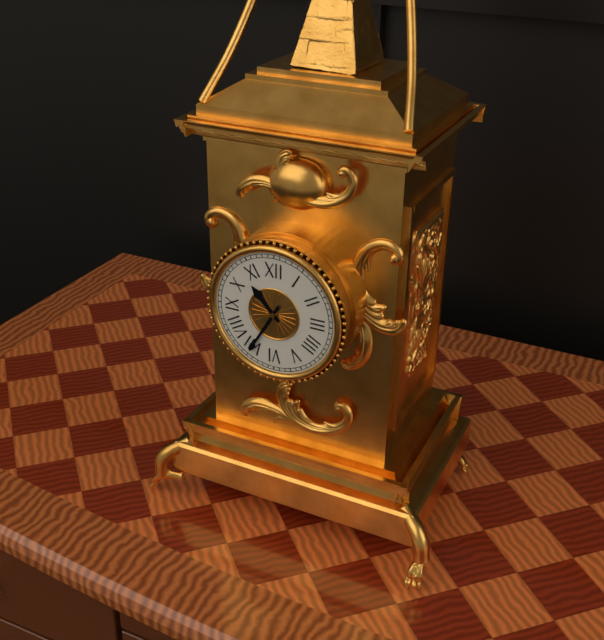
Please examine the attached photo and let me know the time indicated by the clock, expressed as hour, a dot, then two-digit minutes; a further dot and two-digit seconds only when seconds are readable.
10.35
